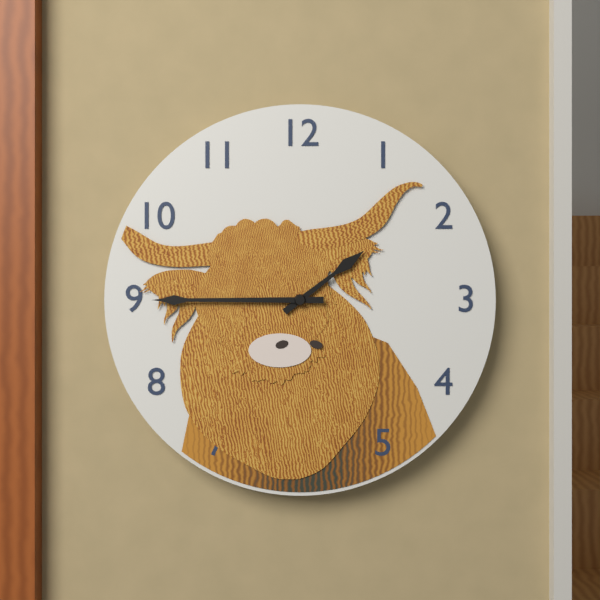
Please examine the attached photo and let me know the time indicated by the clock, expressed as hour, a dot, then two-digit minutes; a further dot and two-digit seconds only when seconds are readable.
1.45
